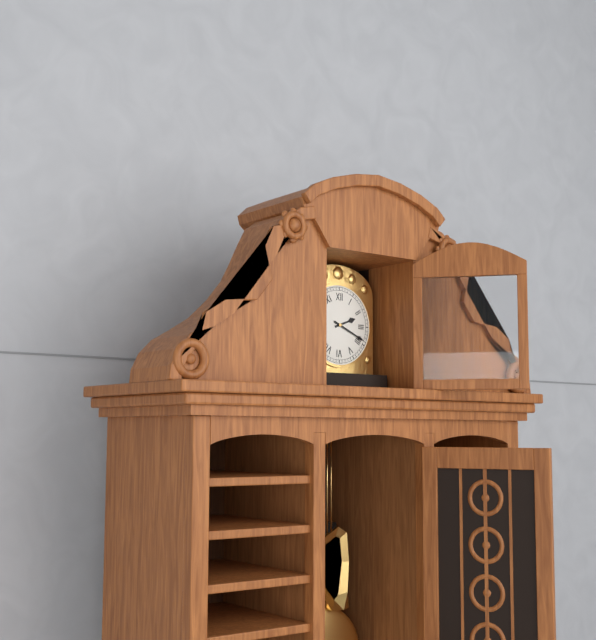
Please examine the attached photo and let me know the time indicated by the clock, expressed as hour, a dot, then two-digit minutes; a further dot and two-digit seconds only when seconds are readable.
2.19
